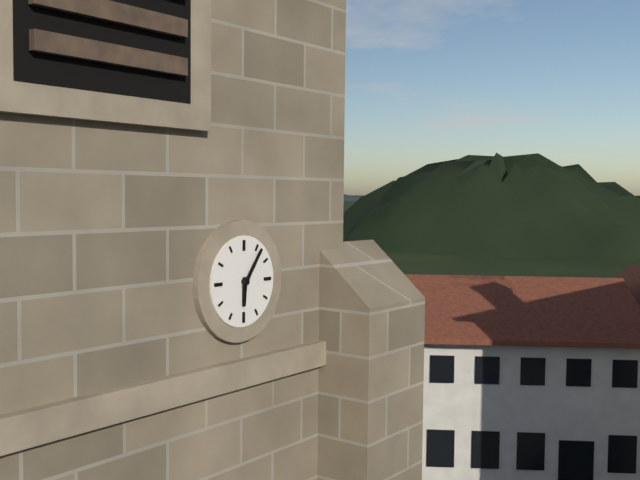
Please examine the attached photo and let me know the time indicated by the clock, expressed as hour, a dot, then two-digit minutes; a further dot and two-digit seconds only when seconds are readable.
6.06
